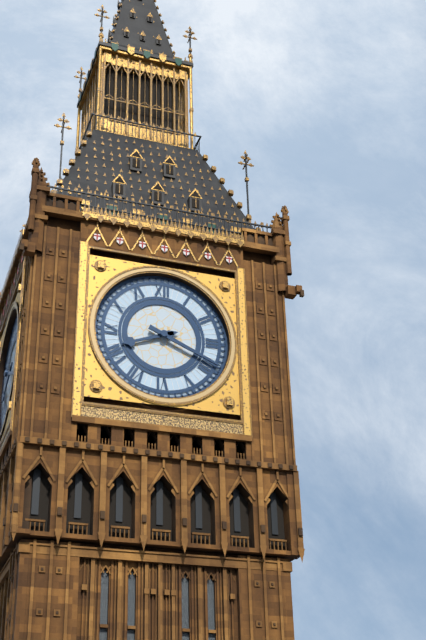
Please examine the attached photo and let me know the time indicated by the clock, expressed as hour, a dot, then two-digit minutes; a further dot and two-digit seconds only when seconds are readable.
8.19
